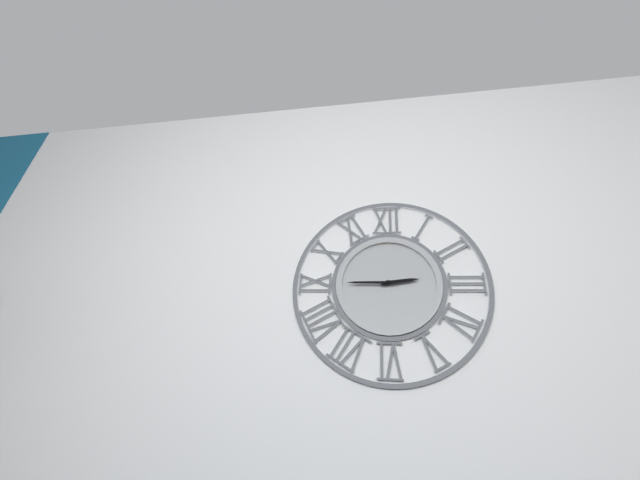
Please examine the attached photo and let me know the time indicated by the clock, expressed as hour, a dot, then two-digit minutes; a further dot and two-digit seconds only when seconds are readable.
2.45
